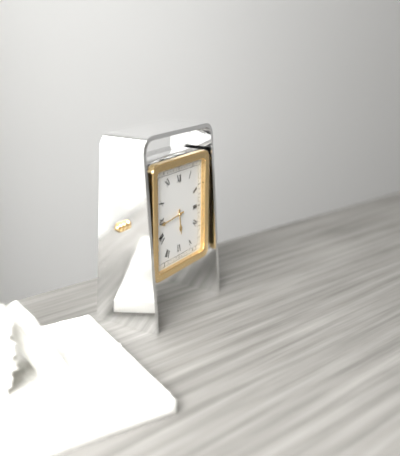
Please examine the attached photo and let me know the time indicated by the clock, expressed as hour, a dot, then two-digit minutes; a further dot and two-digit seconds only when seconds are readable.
5.44
